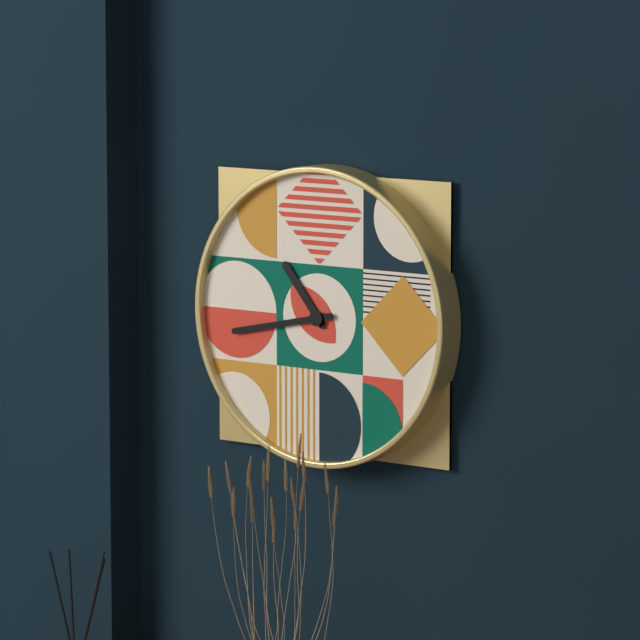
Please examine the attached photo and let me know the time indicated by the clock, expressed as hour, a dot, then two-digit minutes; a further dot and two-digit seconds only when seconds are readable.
10.43
